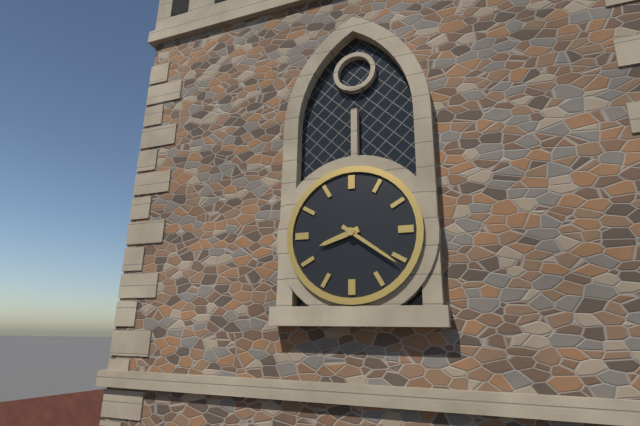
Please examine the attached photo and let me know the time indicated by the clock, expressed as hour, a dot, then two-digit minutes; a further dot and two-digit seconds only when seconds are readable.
8.21
